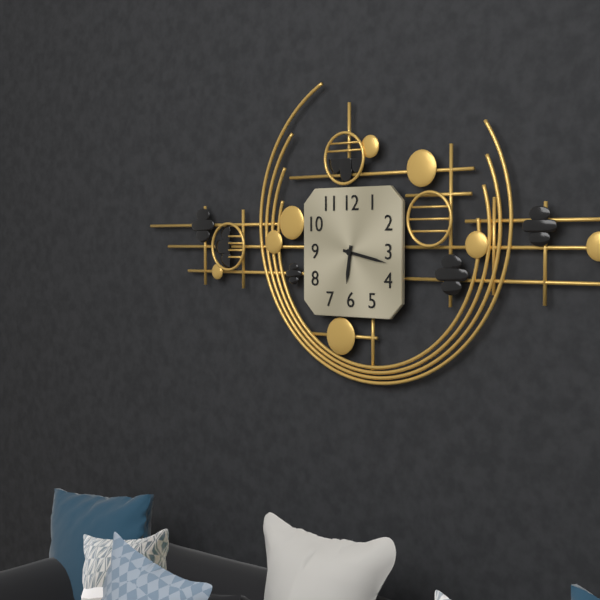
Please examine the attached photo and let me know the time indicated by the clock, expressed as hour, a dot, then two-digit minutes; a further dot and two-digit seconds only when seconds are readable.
6.17
